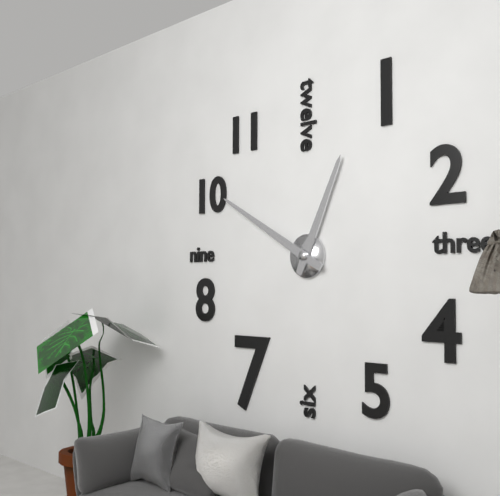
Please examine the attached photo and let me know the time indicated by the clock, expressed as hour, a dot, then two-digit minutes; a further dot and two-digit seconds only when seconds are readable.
12.50
